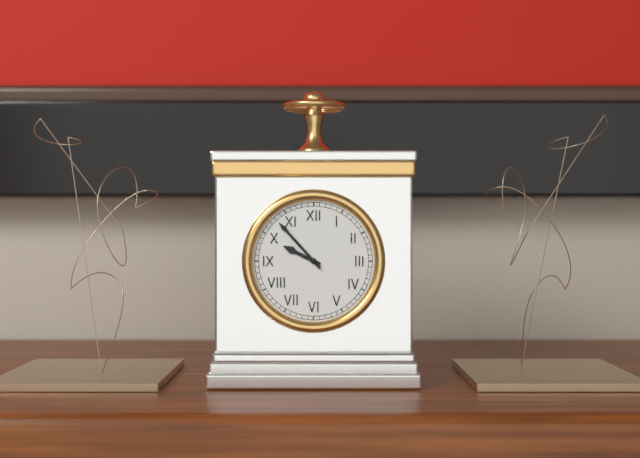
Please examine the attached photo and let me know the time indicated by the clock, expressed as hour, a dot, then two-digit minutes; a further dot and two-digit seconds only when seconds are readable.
9.53
